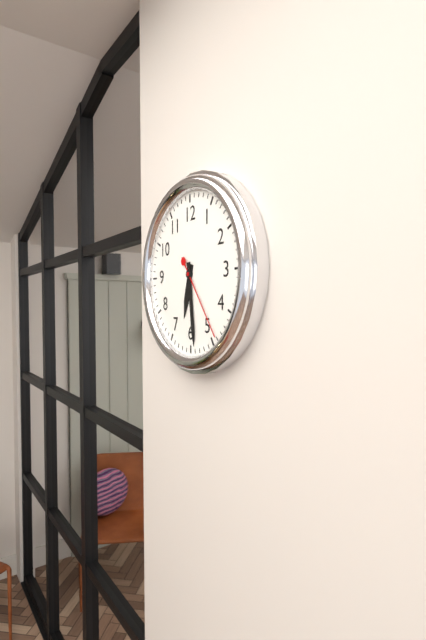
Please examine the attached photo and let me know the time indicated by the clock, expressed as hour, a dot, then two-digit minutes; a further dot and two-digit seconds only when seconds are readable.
6.29.24
